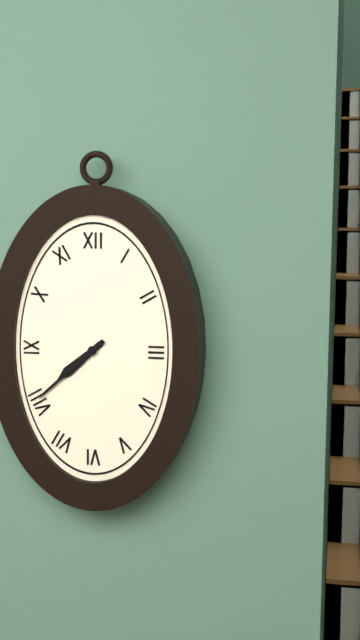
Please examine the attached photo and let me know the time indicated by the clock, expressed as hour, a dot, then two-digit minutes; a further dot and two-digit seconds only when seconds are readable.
7.38
